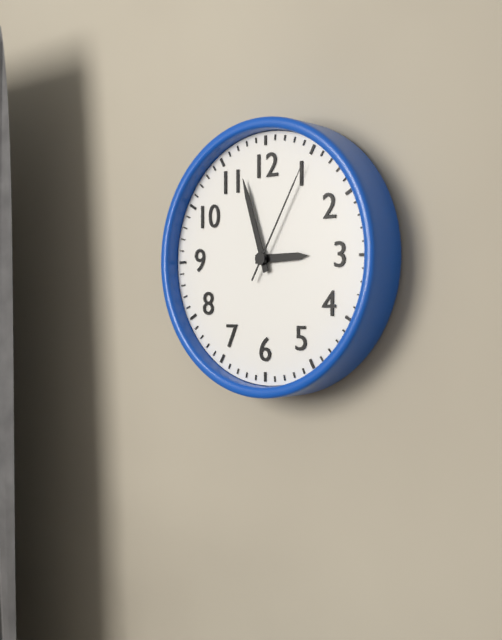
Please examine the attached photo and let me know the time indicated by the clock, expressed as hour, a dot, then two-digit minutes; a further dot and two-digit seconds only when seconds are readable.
2.57.05
